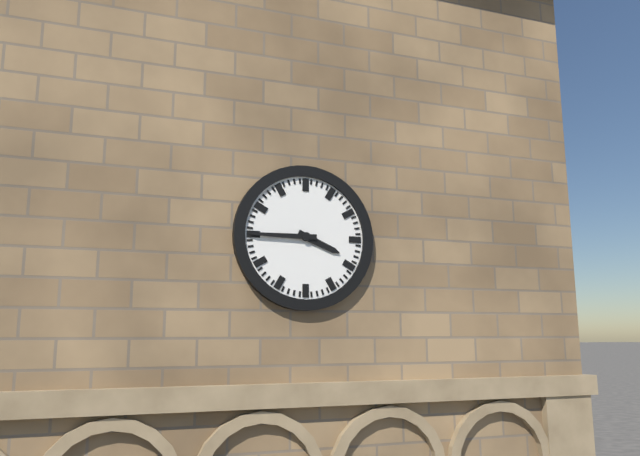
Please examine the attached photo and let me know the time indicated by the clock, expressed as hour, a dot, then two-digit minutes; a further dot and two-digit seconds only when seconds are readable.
3.45
